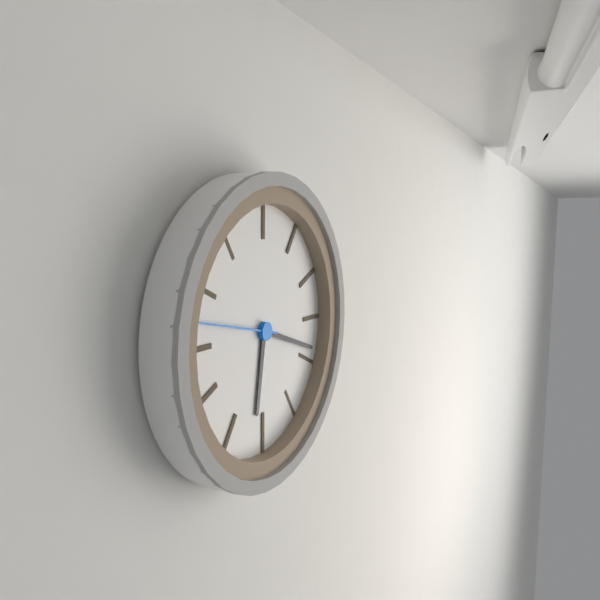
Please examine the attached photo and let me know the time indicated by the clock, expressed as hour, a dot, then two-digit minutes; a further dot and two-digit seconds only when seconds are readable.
6.18.47
